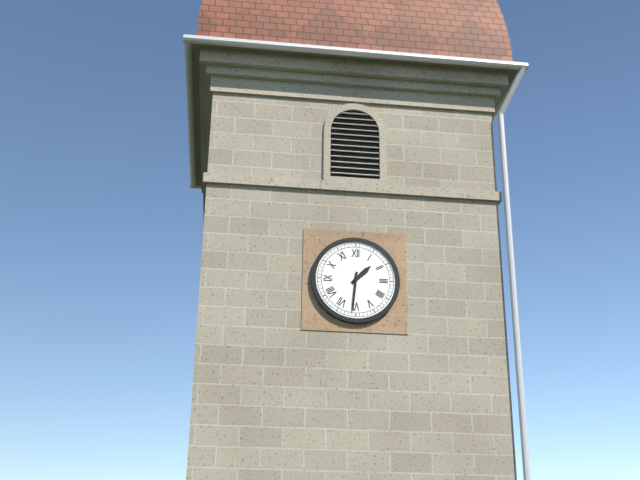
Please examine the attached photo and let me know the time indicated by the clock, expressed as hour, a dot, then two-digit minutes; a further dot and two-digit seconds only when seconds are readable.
1.31
